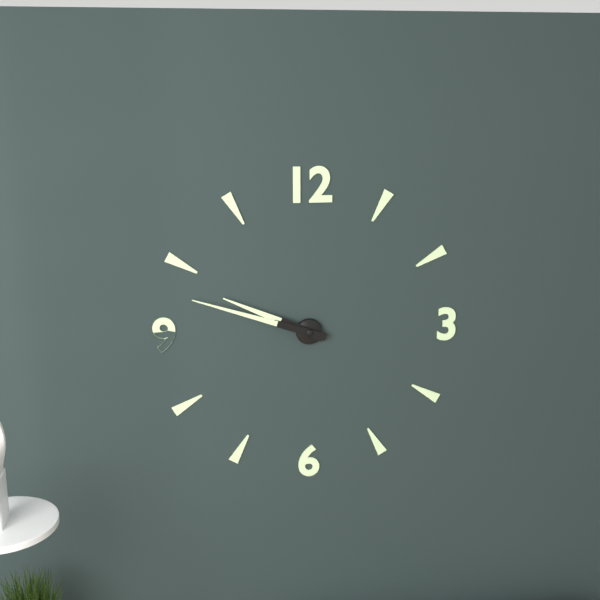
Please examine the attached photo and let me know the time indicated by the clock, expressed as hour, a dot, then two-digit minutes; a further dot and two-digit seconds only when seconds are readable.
9.48
